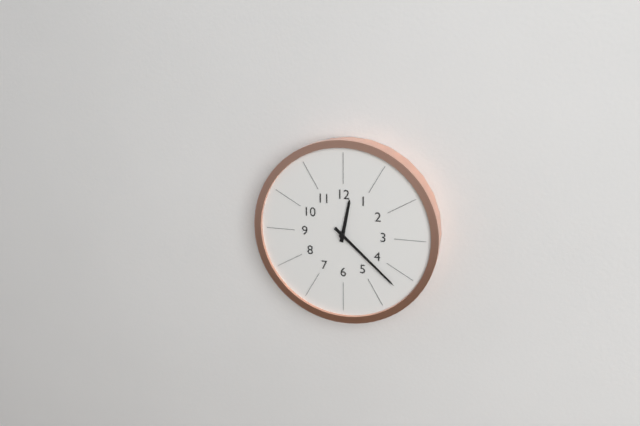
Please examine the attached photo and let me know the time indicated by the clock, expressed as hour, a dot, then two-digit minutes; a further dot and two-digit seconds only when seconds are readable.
12.22
